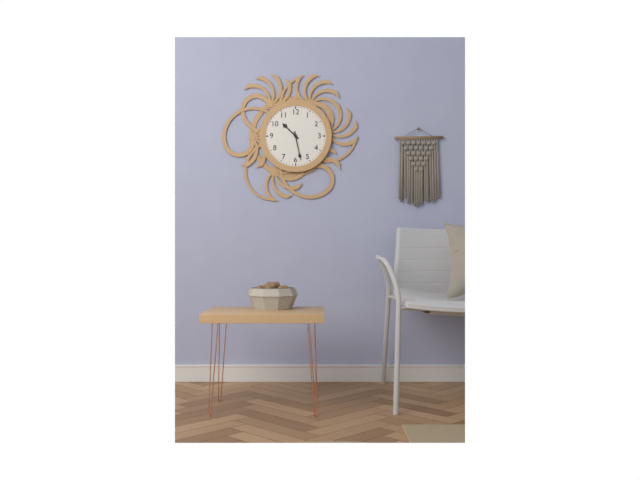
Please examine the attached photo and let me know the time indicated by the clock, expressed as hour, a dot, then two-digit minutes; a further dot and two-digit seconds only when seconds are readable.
10.28
